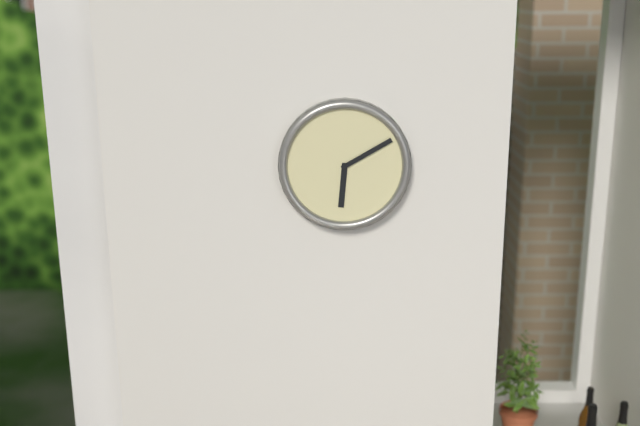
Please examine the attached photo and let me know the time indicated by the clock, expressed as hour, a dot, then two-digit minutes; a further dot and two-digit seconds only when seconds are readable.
6.10
